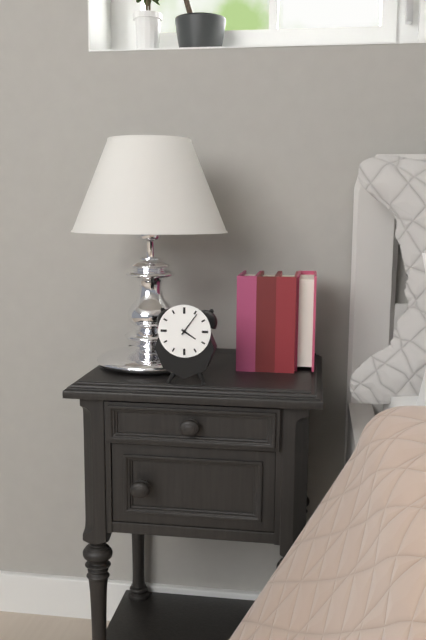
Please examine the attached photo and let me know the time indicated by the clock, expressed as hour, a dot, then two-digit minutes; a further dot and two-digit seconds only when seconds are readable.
4.06
